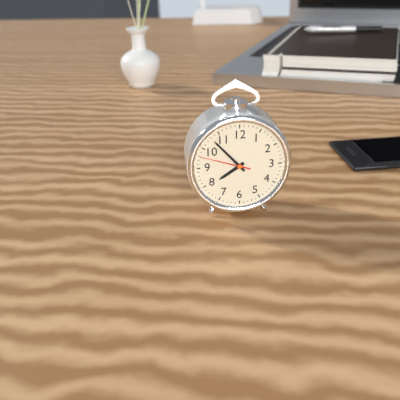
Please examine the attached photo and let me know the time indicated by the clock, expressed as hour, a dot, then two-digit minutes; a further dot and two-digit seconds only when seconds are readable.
7.53.48
